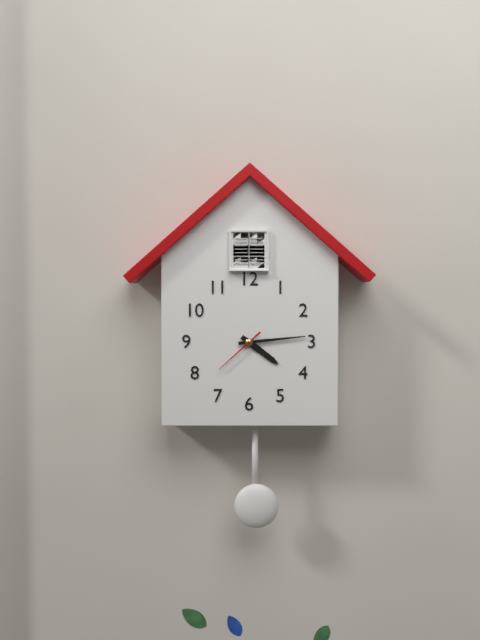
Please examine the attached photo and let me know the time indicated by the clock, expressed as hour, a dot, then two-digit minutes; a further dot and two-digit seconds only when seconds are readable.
4.14.38
